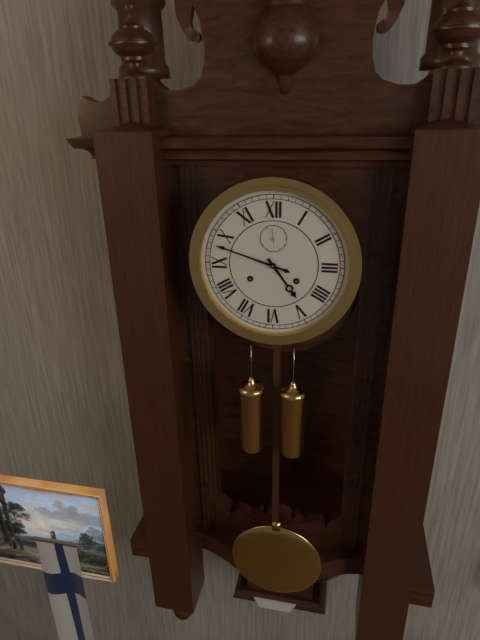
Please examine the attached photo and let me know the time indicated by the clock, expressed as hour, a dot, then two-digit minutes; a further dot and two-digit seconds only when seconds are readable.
4.48
